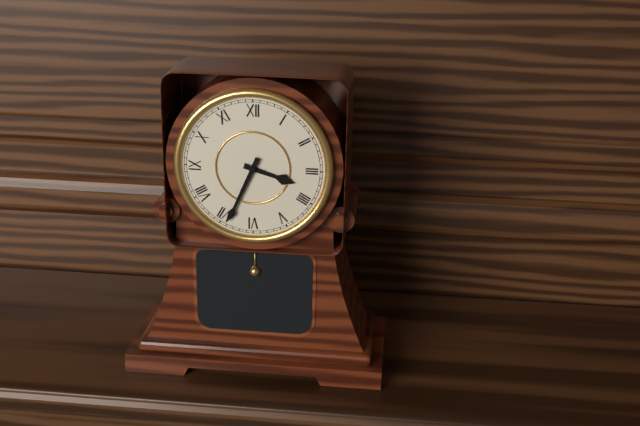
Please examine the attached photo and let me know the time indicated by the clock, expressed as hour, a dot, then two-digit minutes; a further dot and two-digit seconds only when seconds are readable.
3.34
